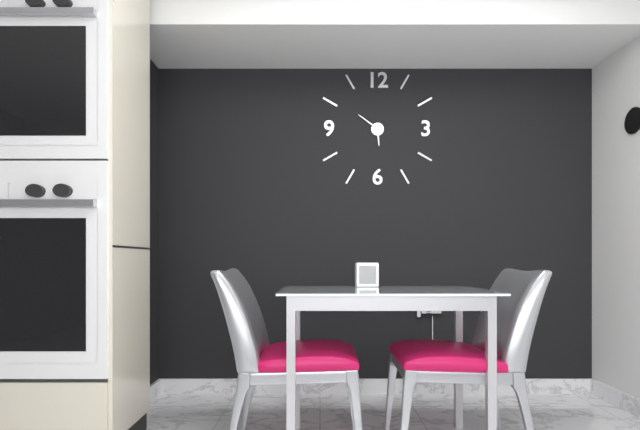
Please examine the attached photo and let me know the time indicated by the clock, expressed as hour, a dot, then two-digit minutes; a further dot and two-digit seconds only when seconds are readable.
5.51
